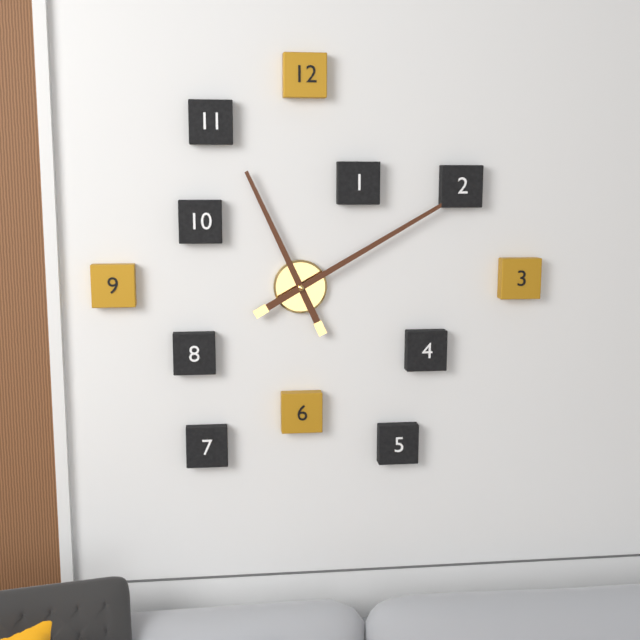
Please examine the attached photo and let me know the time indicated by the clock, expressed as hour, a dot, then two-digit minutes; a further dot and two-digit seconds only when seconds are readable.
11.10
